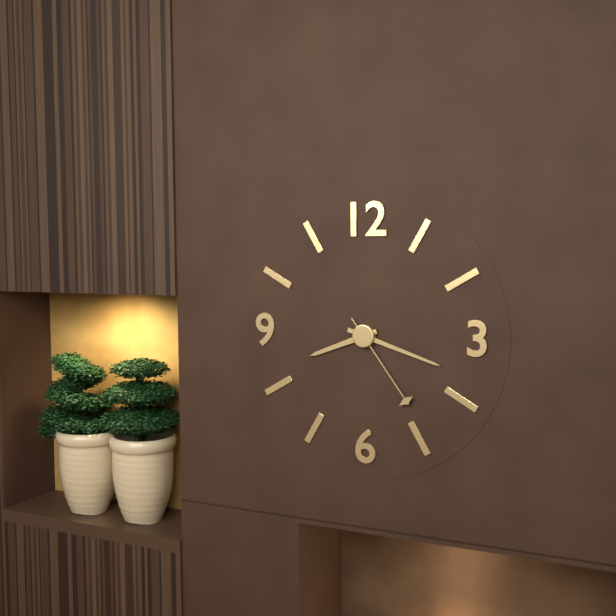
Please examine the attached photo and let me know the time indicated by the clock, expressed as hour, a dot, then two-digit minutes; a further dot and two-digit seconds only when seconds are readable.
8.18.24
